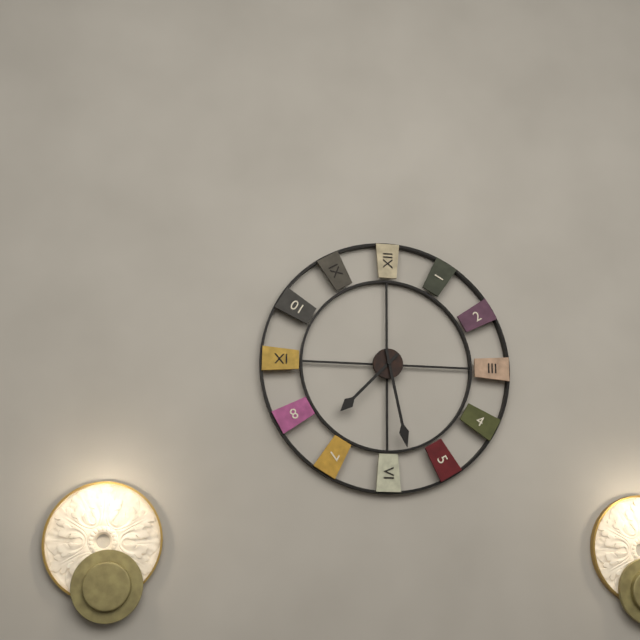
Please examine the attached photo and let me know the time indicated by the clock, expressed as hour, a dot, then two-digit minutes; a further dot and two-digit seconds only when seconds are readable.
7.28
